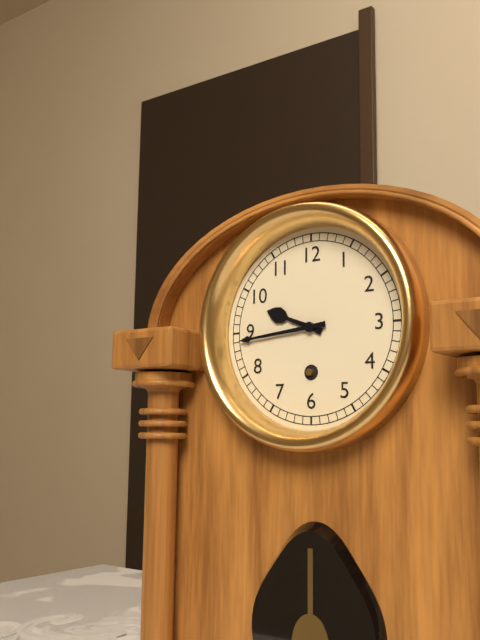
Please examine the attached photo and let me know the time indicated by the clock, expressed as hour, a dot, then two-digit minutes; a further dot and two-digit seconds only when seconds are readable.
9.44
